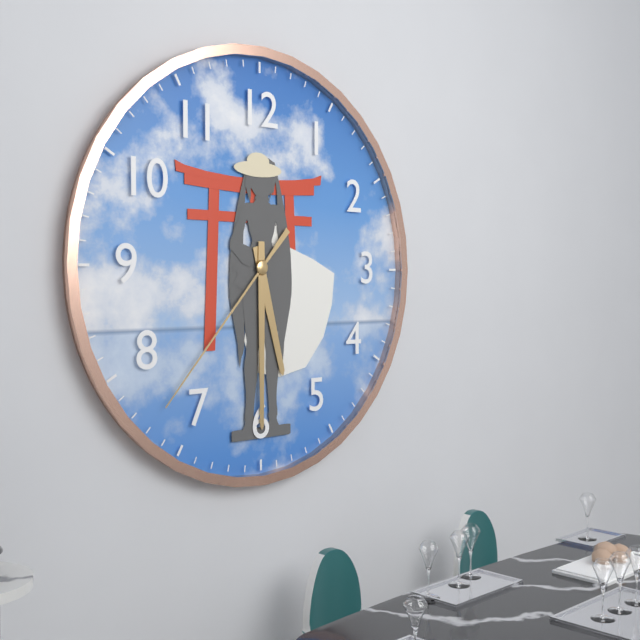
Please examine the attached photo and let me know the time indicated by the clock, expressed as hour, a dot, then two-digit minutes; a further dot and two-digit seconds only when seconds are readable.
5.30.37
